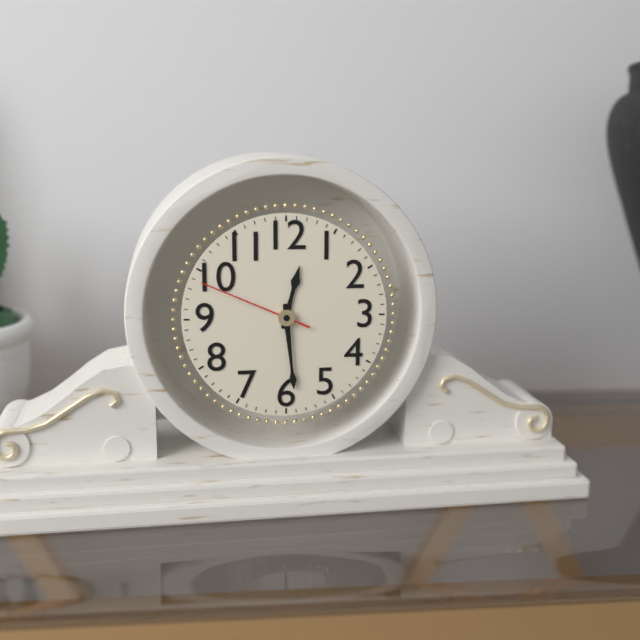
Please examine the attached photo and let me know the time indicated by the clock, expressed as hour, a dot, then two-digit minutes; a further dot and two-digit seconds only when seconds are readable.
12.29.49
